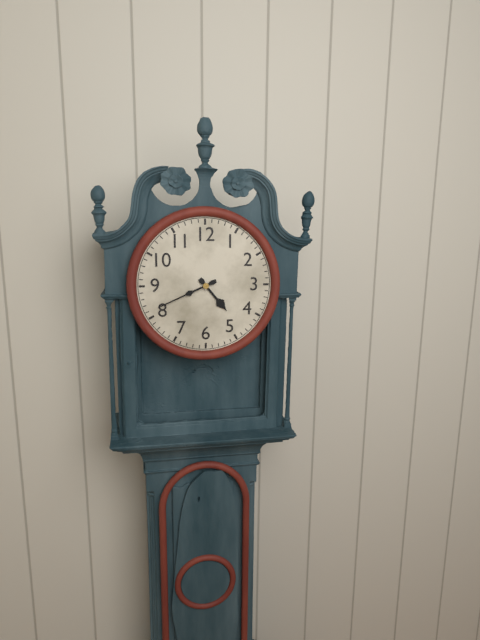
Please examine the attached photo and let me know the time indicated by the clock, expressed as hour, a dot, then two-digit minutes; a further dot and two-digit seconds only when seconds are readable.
4.41
